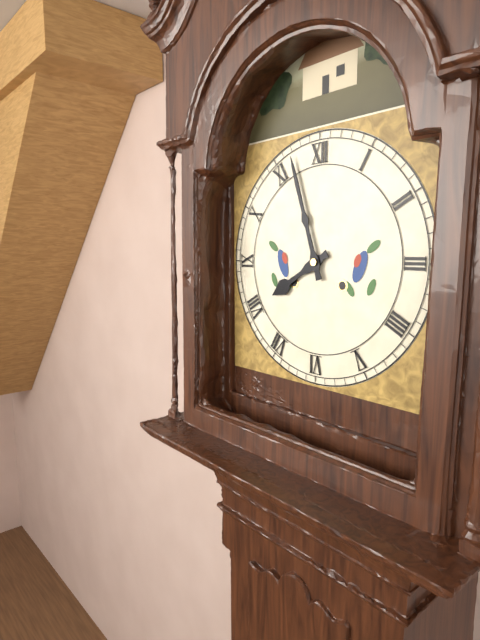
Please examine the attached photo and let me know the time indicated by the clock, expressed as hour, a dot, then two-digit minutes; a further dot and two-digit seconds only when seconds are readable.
7.57
